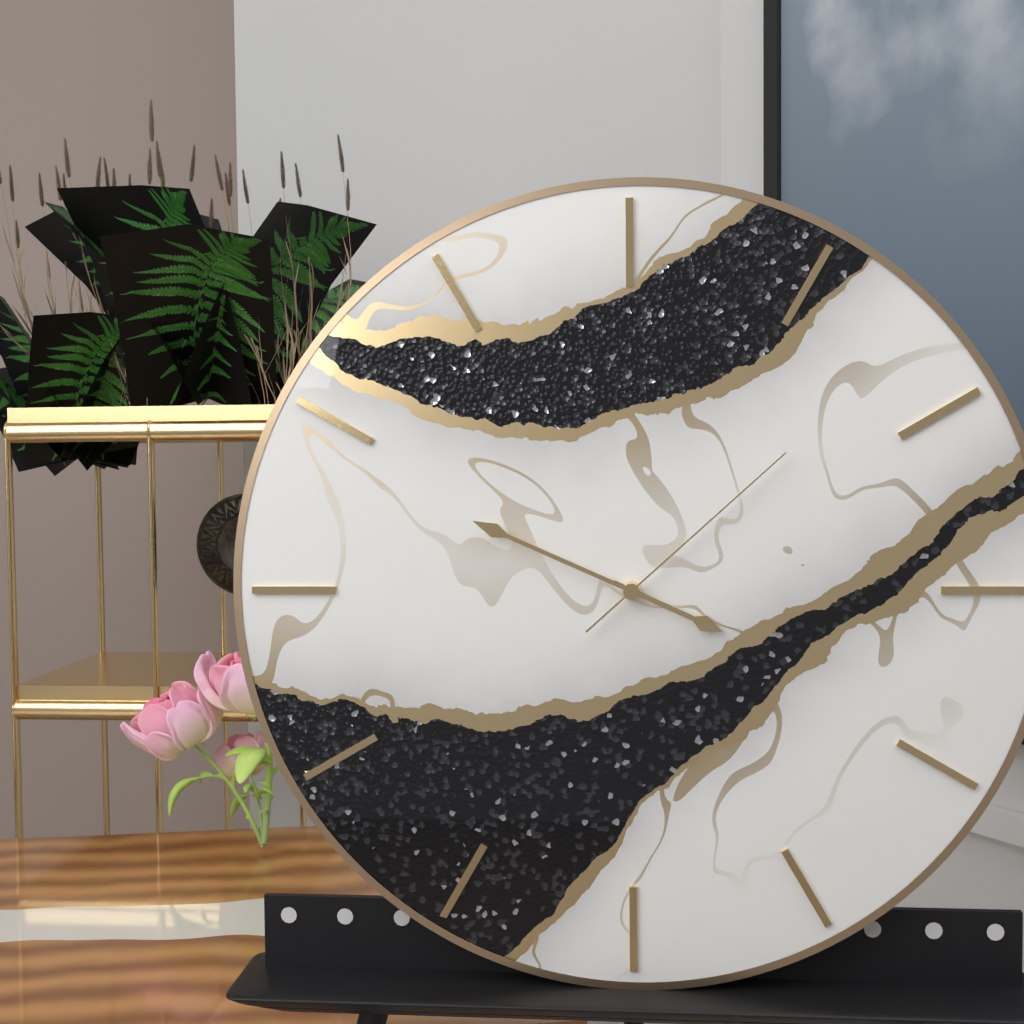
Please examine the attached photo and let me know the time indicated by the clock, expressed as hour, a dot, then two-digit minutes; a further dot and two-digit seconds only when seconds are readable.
3.49.08
